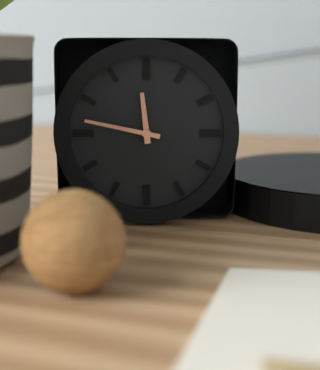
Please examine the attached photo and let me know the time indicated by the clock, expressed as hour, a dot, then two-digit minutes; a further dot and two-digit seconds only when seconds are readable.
11.47
